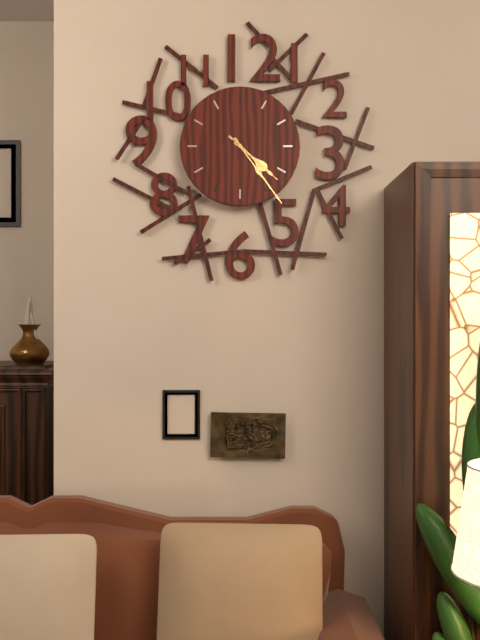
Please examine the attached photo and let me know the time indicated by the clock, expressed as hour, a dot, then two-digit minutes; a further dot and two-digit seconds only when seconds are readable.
4.24.22
